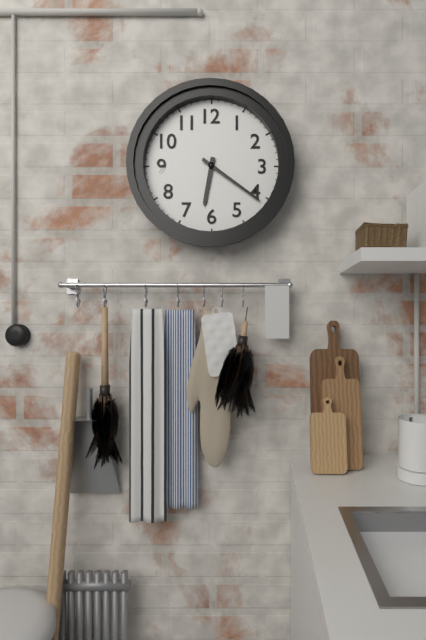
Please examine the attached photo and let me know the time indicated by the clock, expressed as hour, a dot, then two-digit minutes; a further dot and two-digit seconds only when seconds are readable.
6.21
